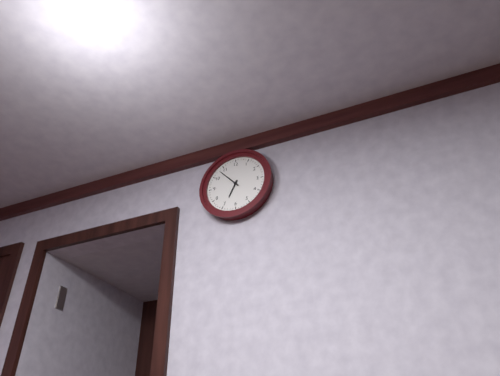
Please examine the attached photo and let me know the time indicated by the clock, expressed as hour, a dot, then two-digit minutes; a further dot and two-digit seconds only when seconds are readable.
6.53
